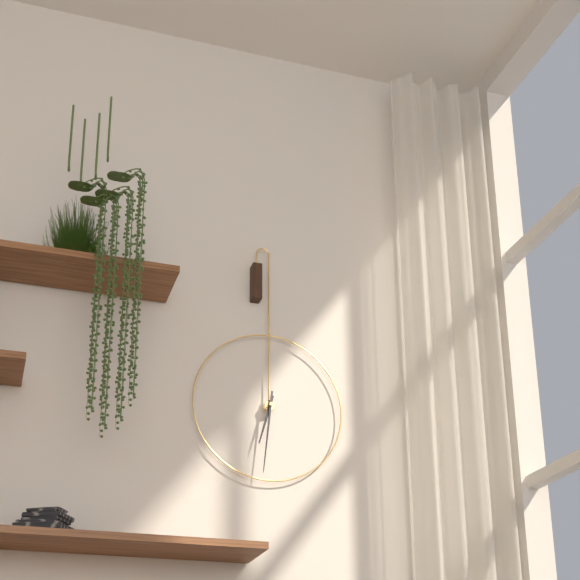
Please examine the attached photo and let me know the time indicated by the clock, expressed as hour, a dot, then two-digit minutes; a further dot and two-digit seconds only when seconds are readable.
6.31
